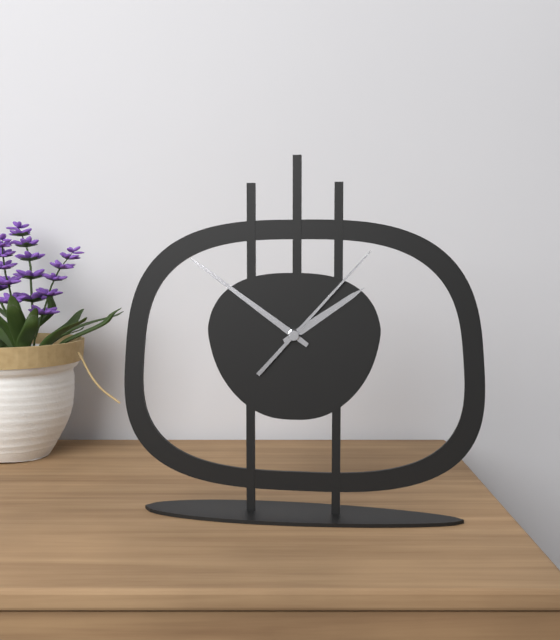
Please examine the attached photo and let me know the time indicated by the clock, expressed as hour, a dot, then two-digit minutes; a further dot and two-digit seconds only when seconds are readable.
1.51.07
